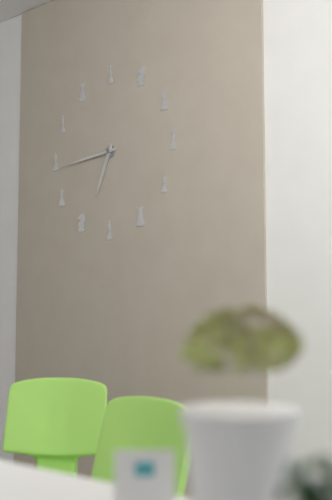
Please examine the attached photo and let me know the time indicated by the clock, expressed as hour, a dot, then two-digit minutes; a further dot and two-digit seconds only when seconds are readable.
6.44
